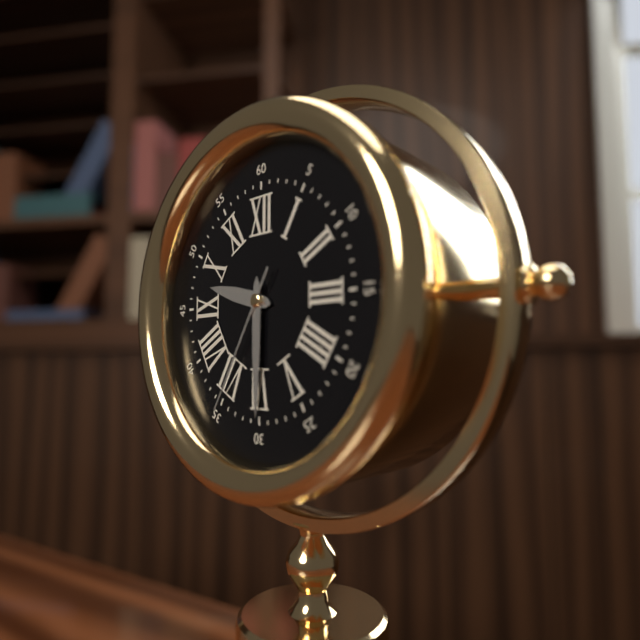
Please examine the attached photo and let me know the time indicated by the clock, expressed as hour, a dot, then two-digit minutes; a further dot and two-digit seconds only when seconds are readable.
9.30.35
